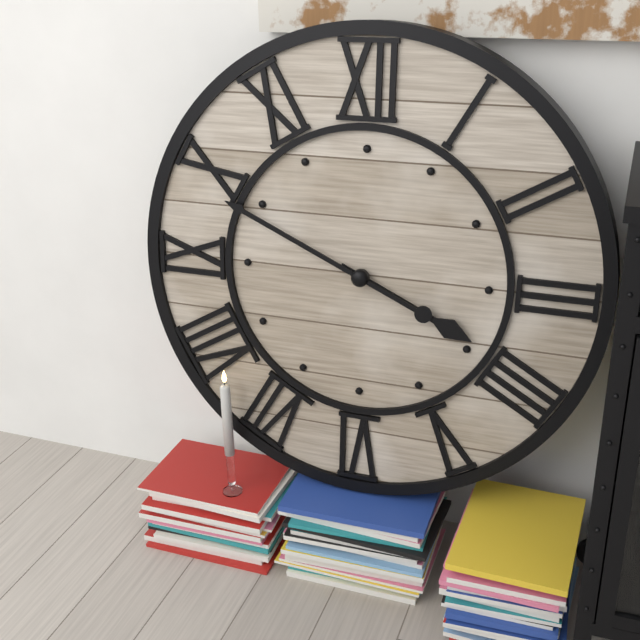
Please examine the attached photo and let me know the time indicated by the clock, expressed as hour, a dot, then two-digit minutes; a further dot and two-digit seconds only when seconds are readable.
3.49
